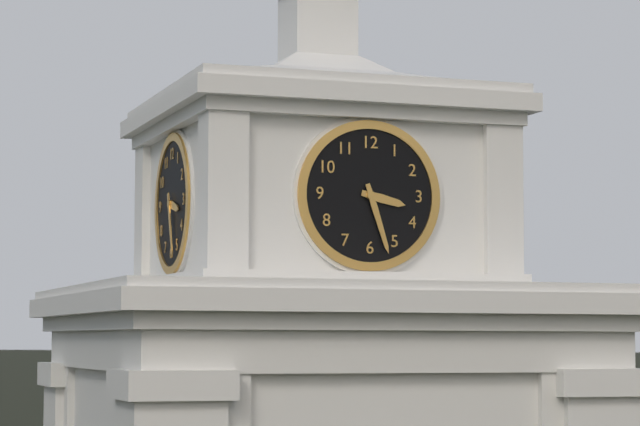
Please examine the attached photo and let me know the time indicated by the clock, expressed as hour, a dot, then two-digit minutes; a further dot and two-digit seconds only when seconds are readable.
3.27
